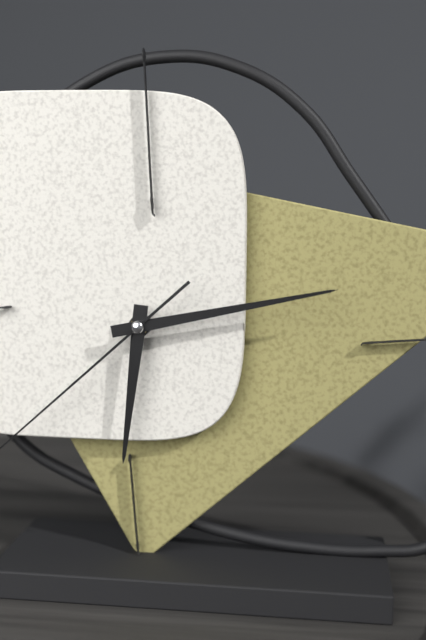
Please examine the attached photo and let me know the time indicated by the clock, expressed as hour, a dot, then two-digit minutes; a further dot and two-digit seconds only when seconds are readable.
6.13
